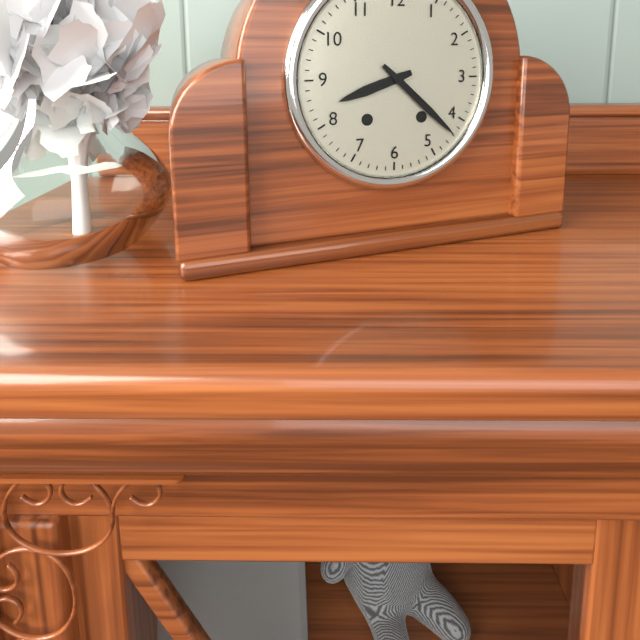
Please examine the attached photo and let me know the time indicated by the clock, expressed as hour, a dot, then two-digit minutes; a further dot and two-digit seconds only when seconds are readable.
8.22
